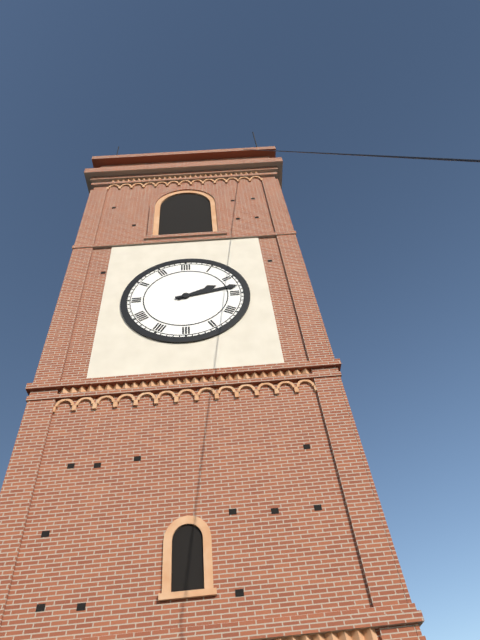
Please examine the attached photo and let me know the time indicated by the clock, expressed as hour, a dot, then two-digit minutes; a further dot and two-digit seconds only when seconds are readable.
2.13
